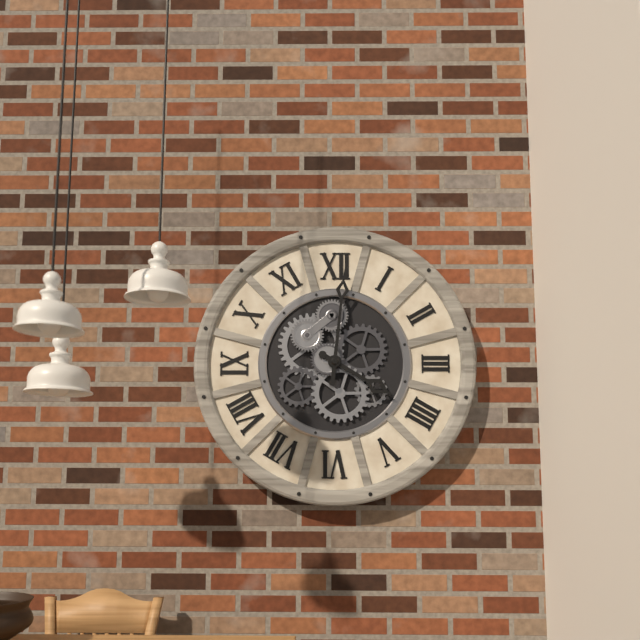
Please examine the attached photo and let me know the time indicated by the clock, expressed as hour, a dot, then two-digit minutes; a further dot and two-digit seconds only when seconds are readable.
4.01
